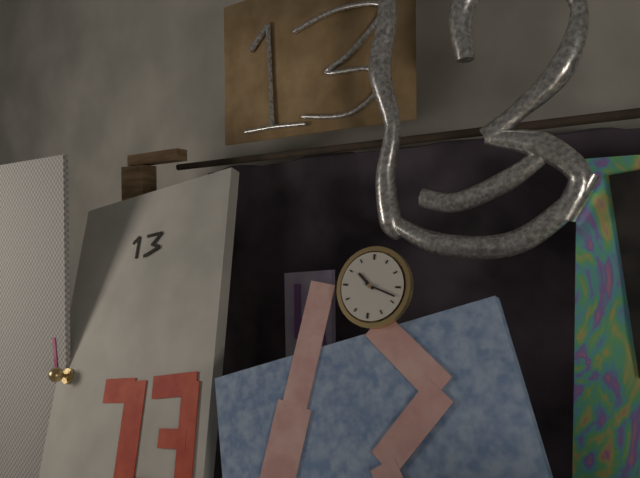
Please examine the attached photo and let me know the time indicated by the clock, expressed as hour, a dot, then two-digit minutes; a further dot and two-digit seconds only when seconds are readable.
10.18
